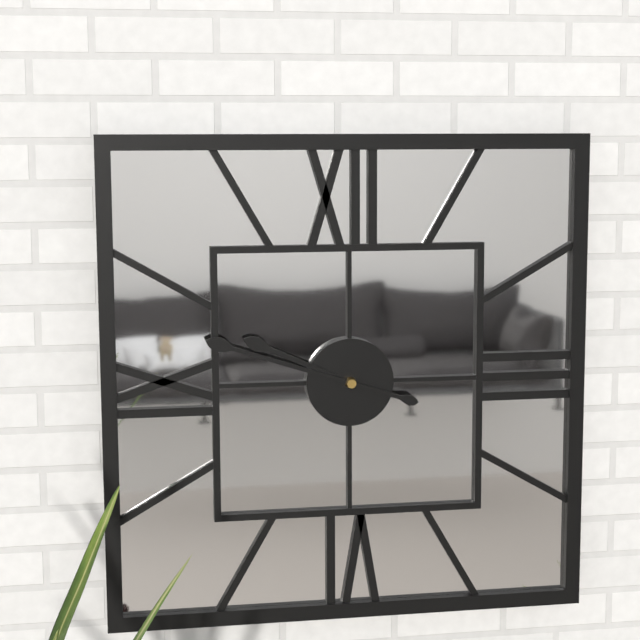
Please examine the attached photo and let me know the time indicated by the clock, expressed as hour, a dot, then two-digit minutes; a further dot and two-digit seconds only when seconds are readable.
9.48
